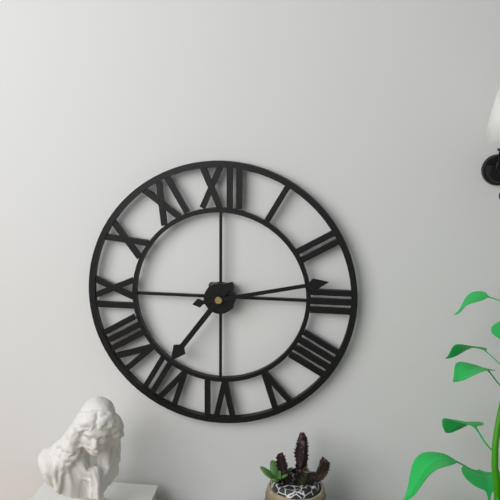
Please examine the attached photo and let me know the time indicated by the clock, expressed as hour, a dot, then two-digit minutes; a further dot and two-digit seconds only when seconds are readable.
7.13
